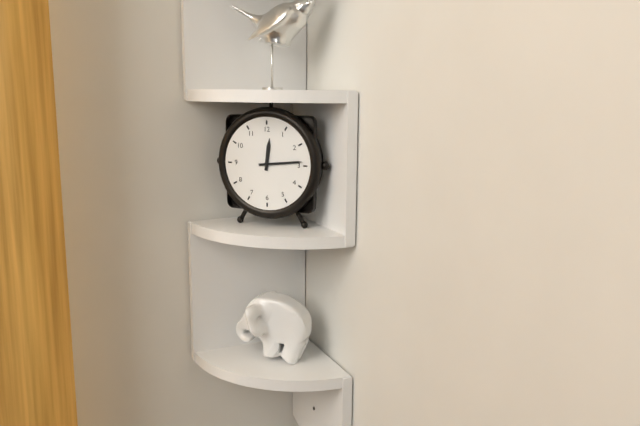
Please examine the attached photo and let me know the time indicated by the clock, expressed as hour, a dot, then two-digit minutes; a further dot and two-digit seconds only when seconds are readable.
12.14
